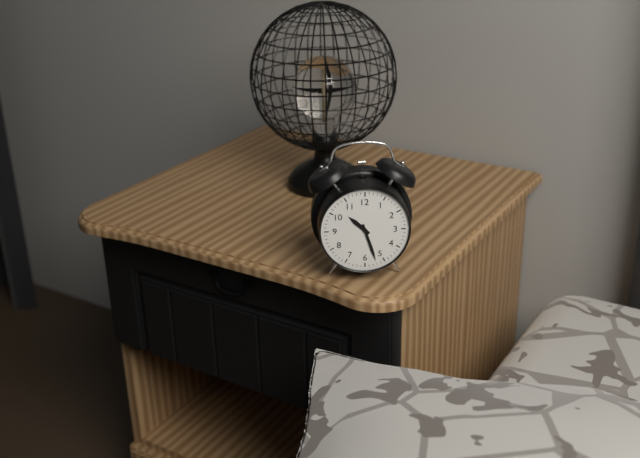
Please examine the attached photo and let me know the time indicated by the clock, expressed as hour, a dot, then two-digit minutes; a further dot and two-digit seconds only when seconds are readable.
10.27
